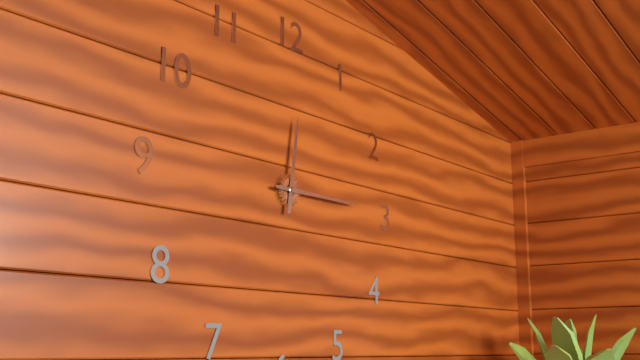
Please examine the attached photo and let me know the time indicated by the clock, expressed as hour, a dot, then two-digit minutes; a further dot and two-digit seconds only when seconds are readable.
12.15
